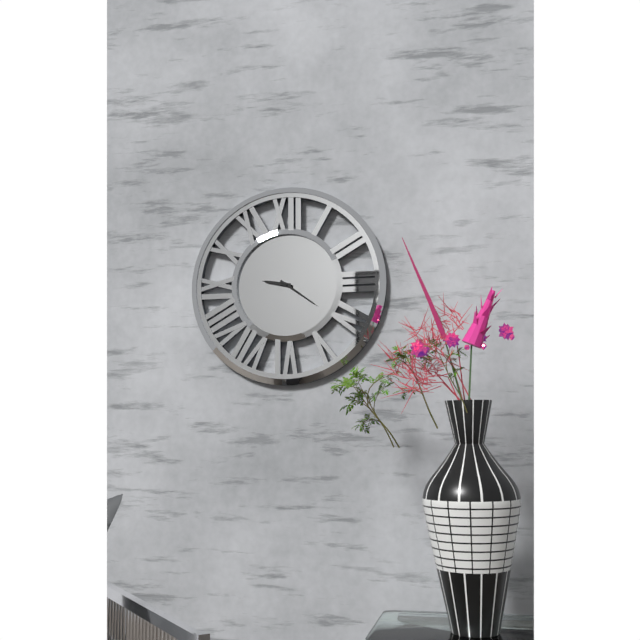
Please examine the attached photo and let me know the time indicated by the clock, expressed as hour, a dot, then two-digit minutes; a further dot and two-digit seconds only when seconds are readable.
9.21
